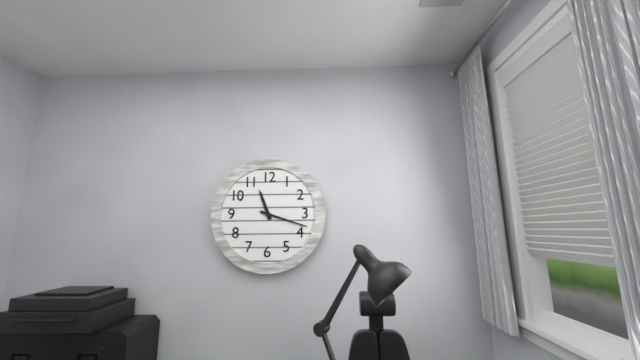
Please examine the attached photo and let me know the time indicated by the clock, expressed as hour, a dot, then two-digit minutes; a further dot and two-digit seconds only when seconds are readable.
11.18
